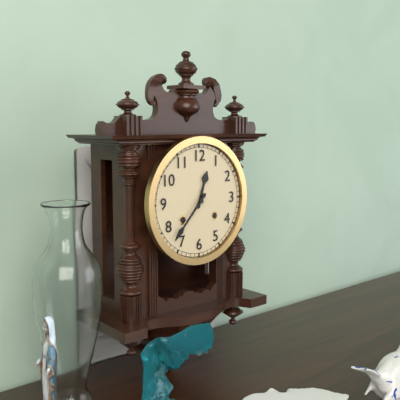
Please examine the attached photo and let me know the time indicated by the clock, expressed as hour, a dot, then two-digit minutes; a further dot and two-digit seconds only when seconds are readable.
12.37
